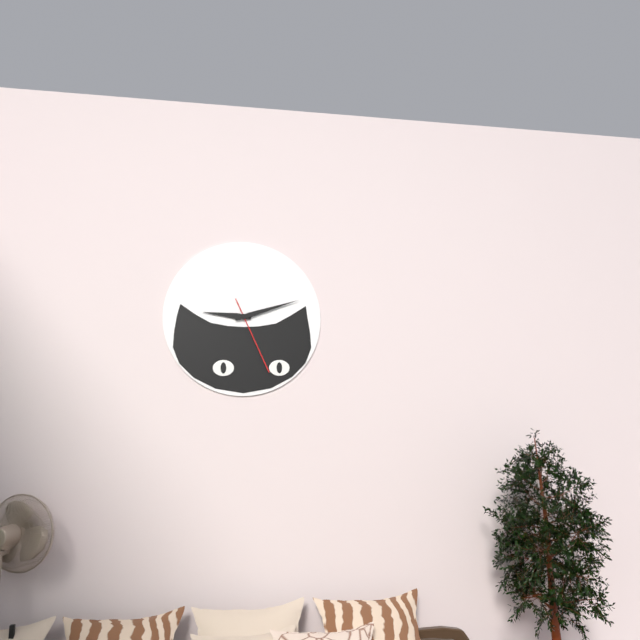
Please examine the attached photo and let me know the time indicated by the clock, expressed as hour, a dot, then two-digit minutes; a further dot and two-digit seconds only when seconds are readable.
9.12.26
